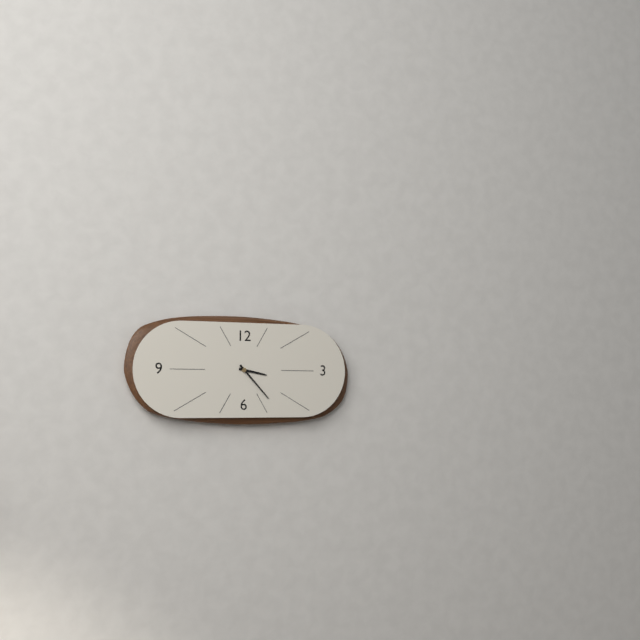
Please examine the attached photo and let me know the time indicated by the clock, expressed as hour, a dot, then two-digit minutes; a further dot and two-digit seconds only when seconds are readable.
3.23
